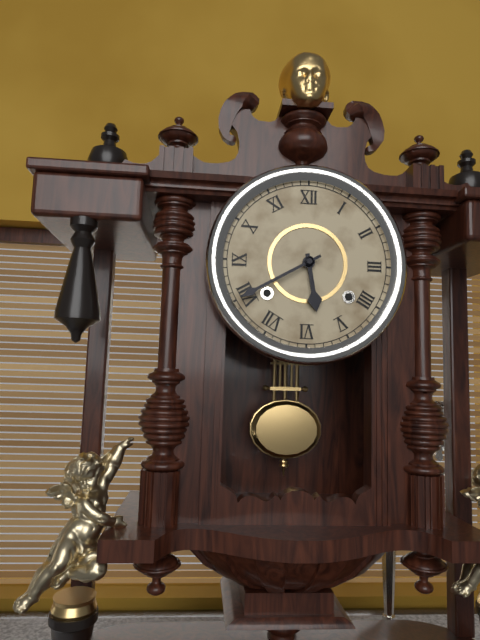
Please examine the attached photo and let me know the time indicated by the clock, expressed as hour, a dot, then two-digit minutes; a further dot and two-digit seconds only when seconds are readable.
5.40
